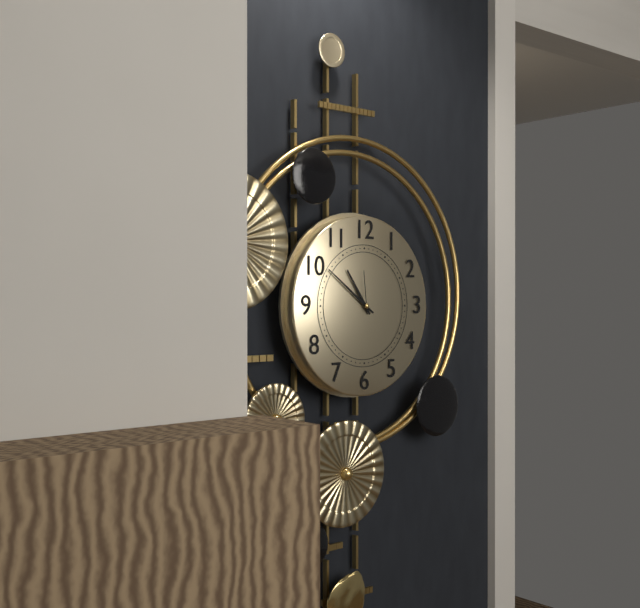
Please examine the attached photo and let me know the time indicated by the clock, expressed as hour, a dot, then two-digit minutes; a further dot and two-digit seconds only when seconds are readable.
10.51
